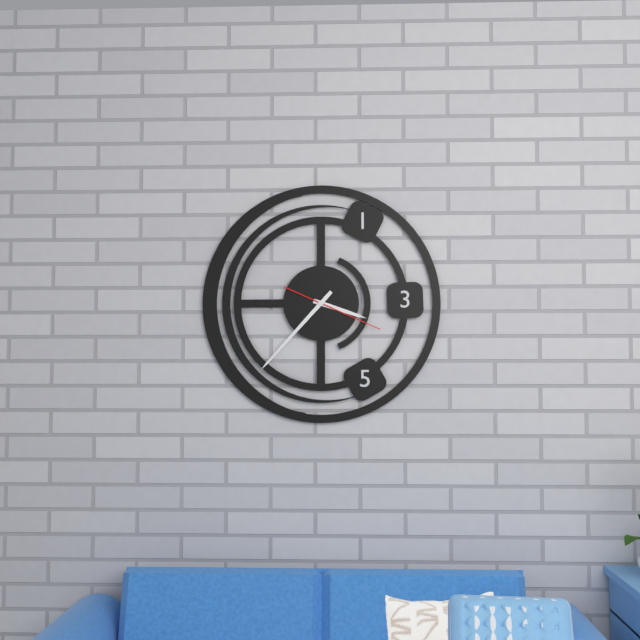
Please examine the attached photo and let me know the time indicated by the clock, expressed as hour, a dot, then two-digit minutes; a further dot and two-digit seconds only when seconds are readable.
3.37.19
